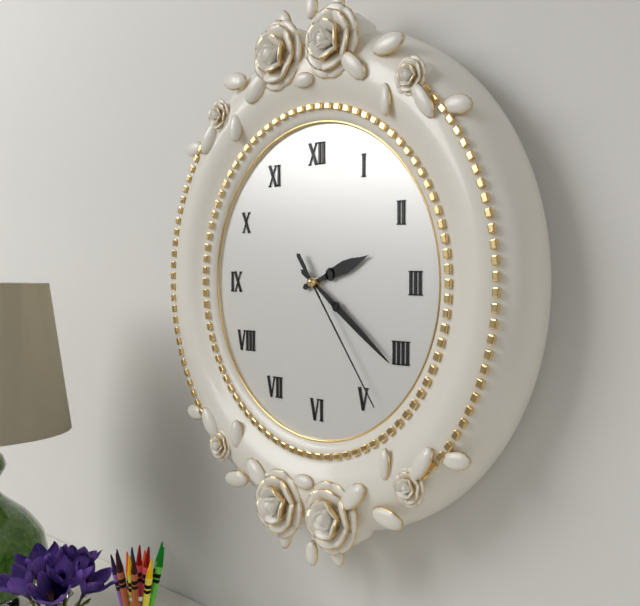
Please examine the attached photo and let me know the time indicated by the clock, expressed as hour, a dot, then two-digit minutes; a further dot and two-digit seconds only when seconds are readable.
2.21.24
